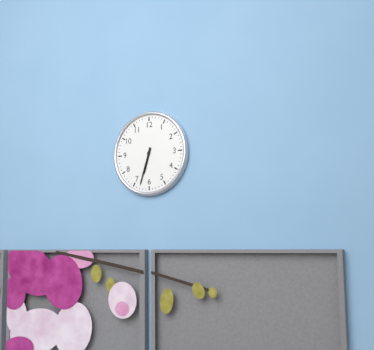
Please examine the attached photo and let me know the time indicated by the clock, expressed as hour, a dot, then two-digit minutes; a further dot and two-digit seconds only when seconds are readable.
6.33
